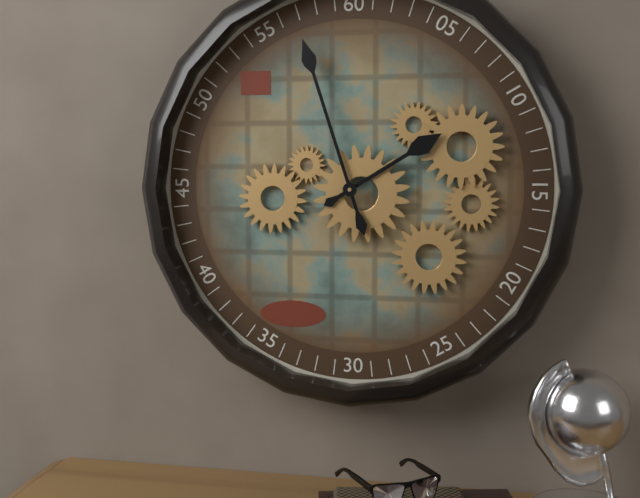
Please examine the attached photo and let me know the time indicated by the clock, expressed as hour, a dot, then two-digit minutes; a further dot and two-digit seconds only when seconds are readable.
1.57
